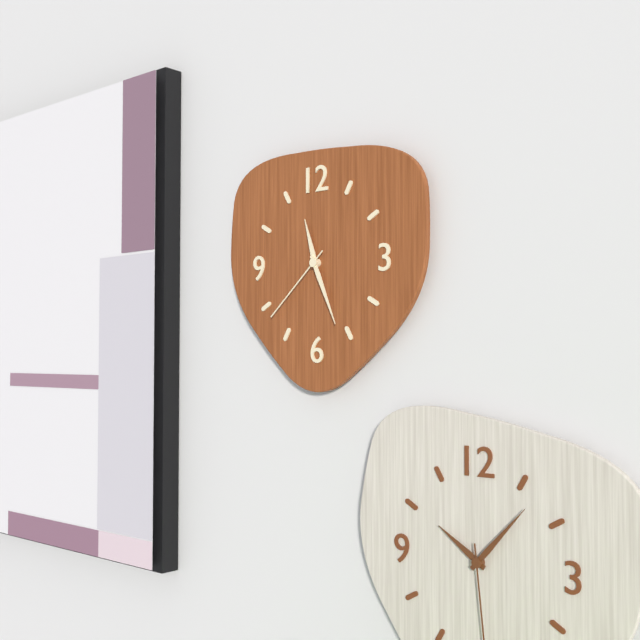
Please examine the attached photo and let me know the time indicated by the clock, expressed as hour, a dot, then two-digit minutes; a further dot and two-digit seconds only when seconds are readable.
11.26.38
